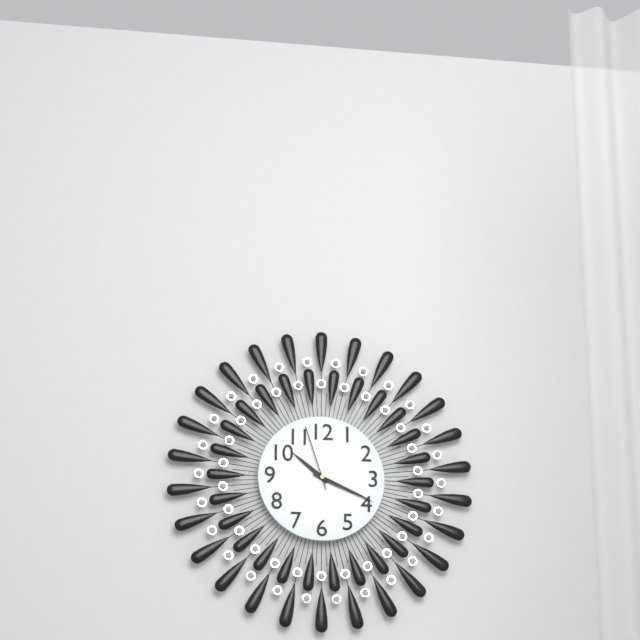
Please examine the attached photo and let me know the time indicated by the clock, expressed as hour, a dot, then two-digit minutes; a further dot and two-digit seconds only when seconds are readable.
10.19.57
